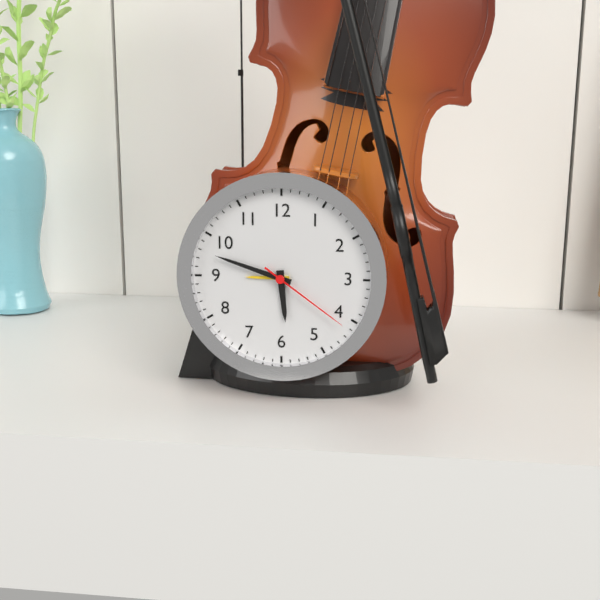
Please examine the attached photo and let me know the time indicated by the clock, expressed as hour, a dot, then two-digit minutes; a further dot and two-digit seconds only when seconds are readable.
5.48.21
